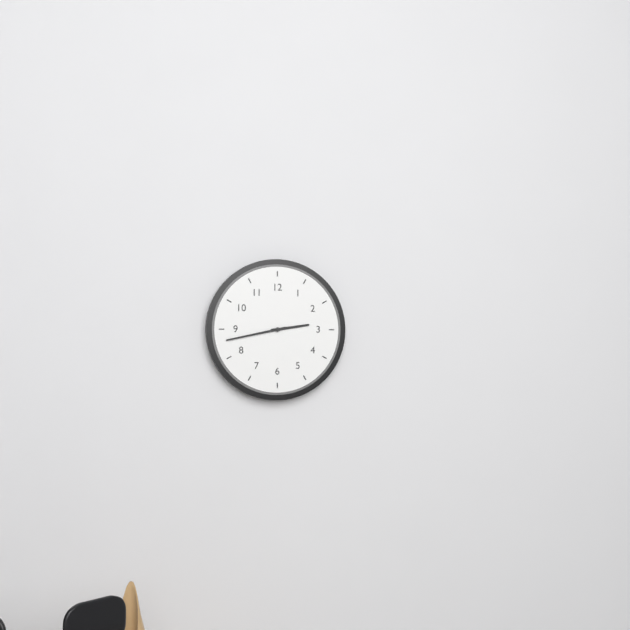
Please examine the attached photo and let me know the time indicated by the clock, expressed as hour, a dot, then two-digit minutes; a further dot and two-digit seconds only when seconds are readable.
2.43
